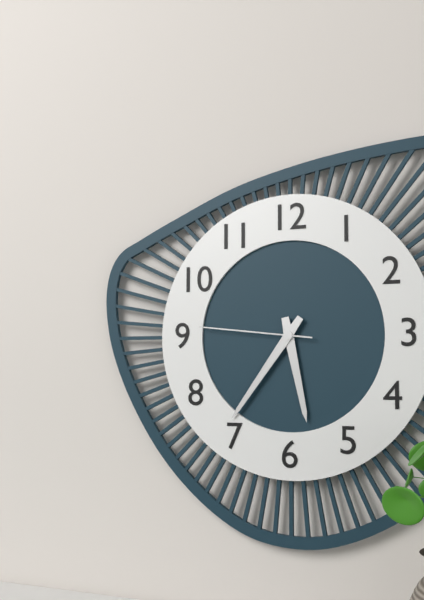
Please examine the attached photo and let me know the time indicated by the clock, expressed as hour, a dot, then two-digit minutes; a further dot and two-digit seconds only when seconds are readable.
5.36.46
